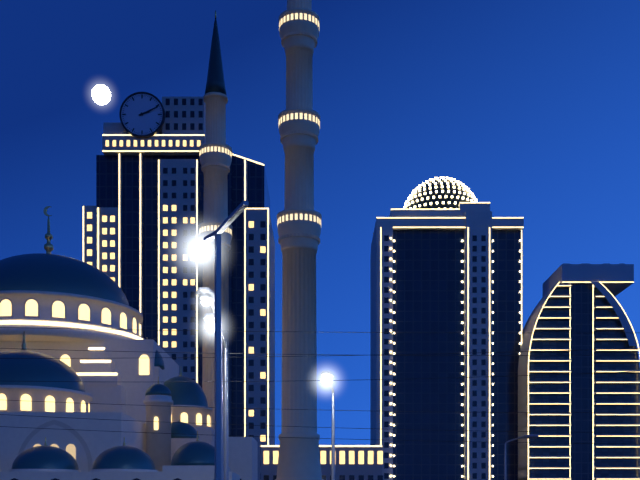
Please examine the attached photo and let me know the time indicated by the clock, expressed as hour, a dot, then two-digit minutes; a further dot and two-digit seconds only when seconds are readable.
2.11
